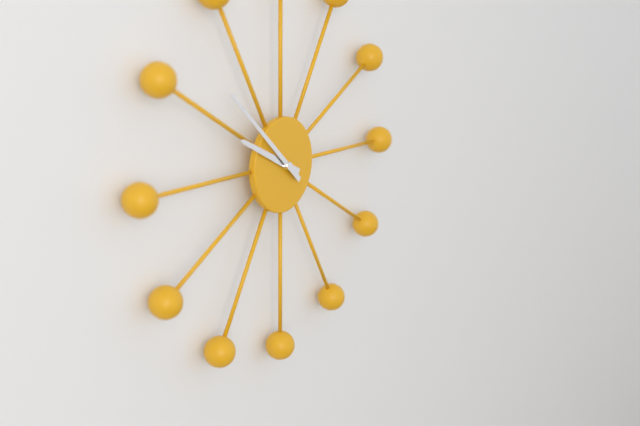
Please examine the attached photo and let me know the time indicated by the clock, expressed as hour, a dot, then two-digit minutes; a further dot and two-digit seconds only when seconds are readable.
9.52
